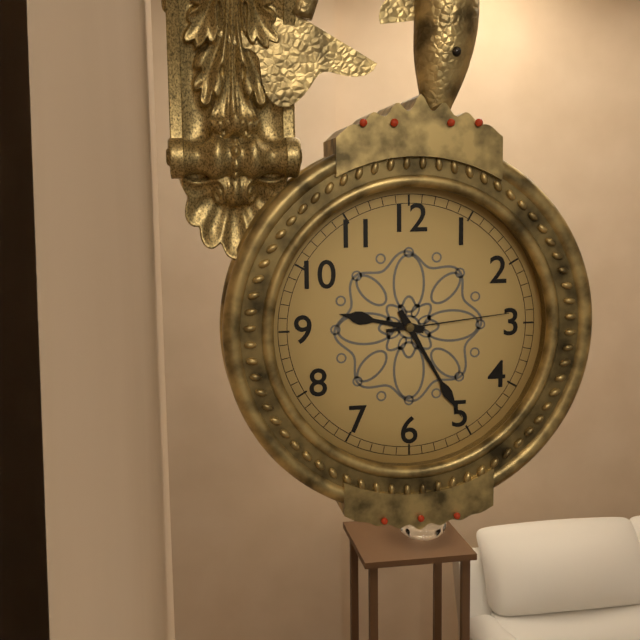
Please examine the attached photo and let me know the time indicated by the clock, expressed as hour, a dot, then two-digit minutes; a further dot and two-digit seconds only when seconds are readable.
9.25.14
